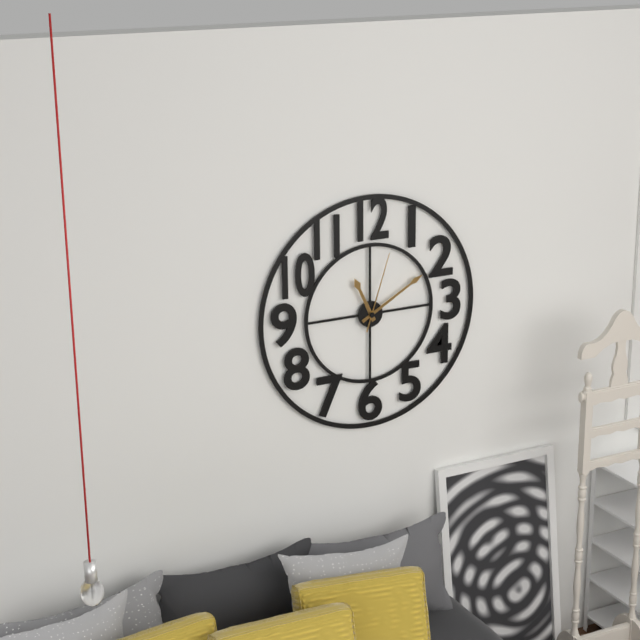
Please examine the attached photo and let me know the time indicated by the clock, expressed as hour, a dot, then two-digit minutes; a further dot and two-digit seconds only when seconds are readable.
11.10.03
